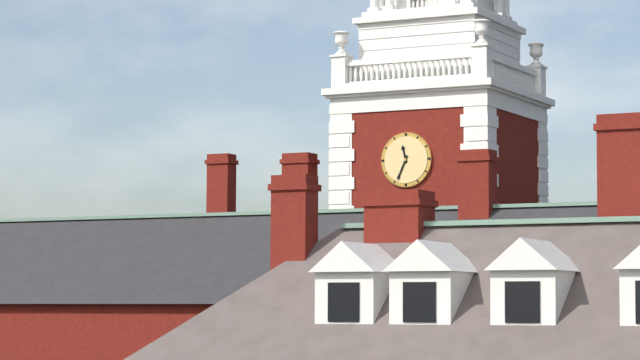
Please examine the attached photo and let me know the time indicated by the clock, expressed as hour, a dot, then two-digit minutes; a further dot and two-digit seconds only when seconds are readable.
11.34
